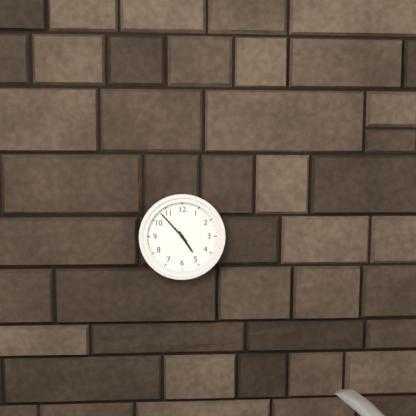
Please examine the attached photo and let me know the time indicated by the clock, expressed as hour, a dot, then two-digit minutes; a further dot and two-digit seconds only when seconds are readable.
4.53
